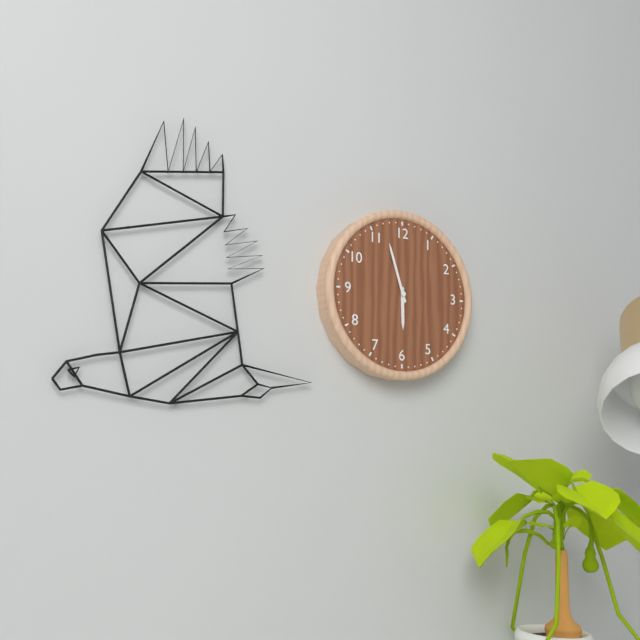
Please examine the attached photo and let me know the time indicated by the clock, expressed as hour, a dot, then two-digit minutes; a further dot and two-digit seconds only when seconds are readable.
5.57
